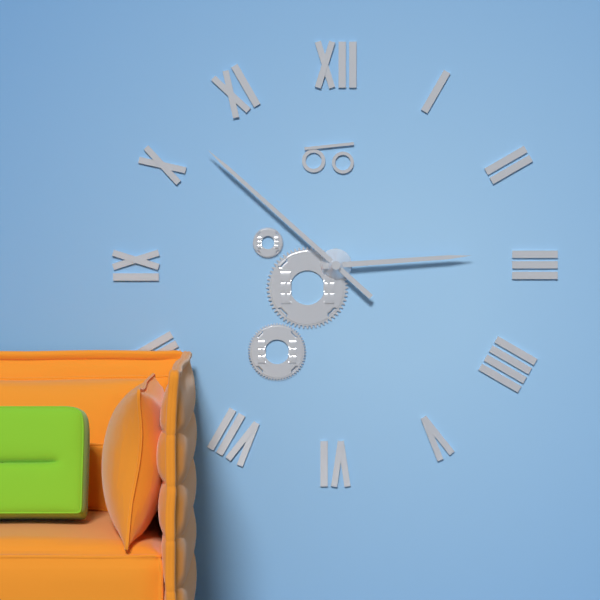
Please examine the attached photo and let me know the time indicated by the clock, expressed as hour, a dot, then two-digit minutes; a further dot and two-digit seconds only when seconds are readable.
2.52
